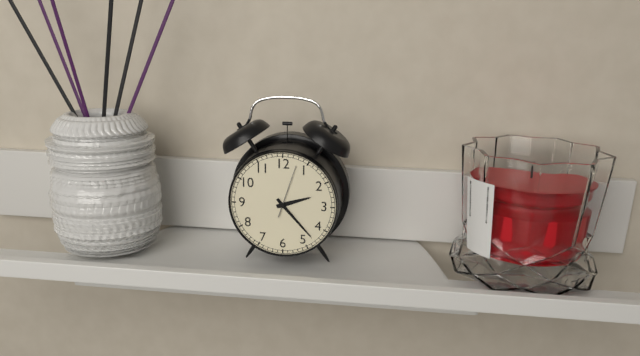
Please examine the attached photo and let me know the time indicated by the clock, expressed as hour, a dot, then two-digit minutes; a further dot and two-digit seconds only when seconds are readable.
2.23.03
